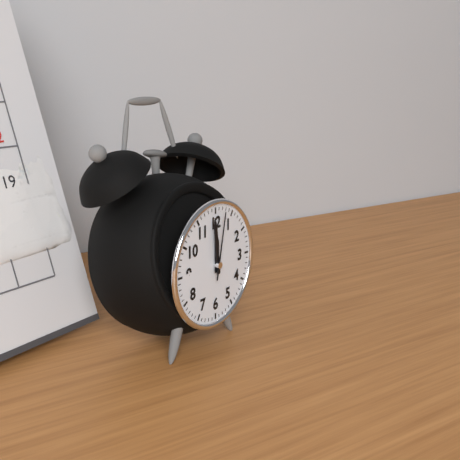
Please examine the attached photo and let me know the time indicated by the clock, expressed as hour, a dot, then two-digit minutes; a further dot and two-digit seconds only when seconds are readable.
11.59.02
